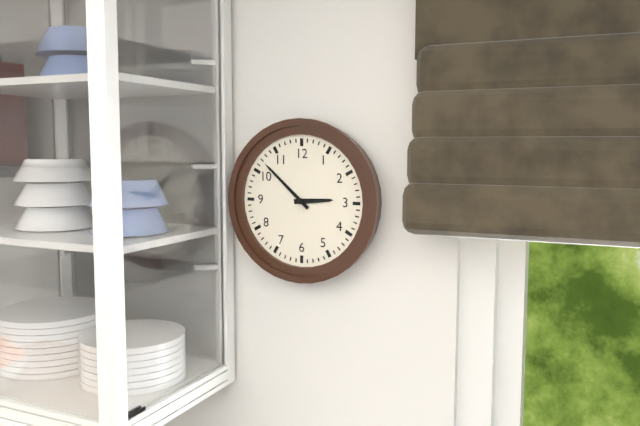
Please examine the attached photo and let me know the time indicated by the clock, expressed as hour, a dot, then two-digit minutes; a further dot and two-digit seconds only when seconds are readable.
2.52
